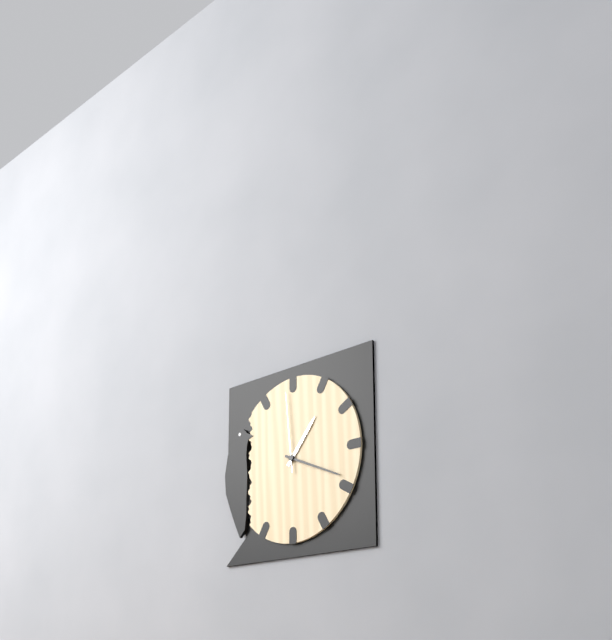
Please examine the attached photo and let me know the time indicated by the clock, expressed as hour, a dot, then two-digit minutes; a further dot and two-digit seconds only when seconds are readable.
1.19.59
